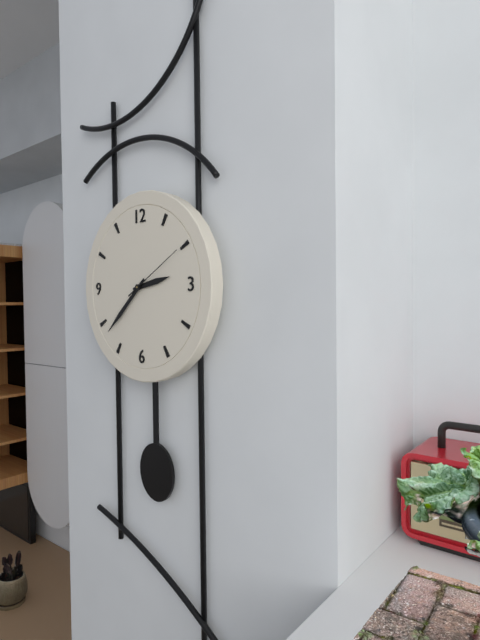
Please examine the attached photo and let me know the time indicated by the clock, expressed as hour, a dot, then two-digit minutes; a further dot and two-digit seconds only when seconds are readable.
2.38.10
